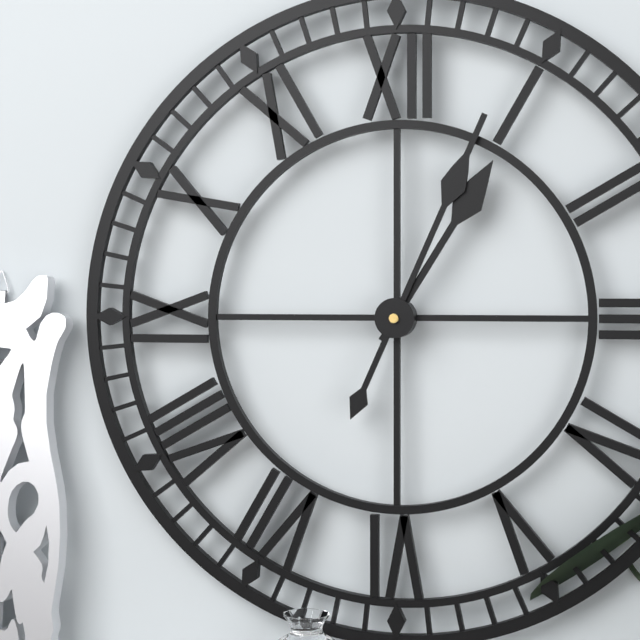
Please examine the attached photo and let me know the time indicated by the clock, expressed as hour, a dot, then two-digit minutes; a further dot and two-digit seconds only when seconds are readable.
1.04
